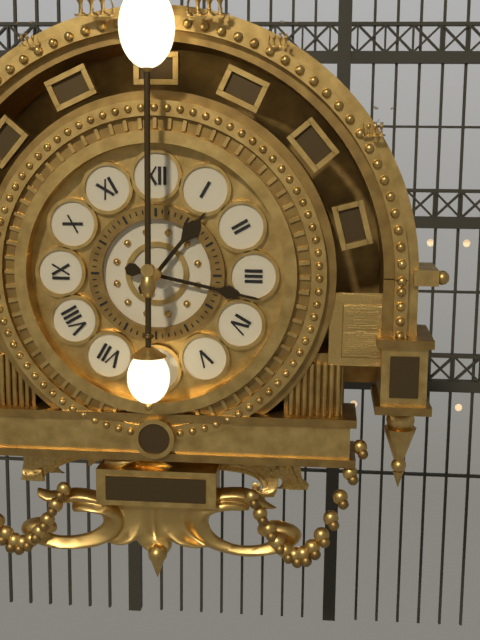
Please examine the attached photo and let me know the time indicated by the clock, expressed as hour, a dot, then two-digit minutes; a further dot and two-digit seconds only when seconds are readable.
1.17
